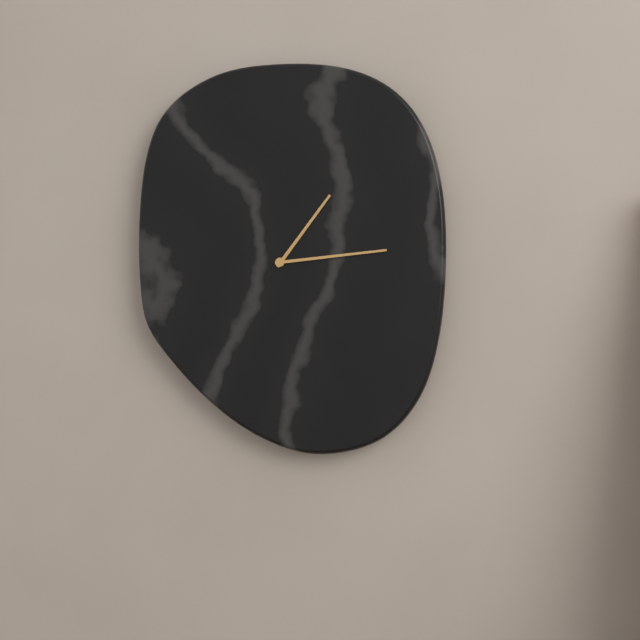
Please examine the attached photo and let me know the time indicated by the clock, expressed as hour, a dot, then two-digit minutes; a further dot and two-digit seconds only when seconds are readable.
1.14
